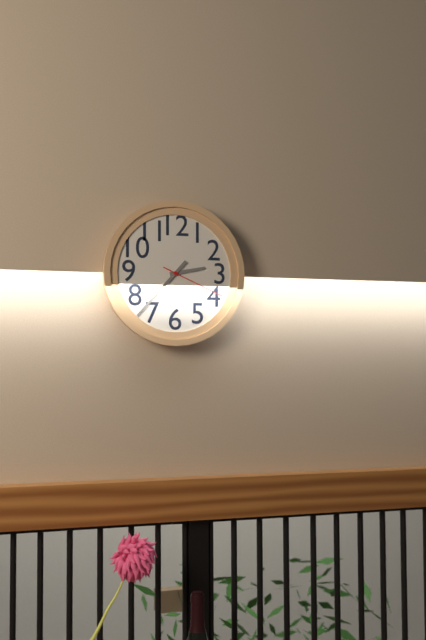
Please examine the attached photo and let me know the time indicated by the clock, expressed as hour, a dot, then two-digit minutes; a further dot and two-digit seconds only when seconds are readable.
2.37.19
